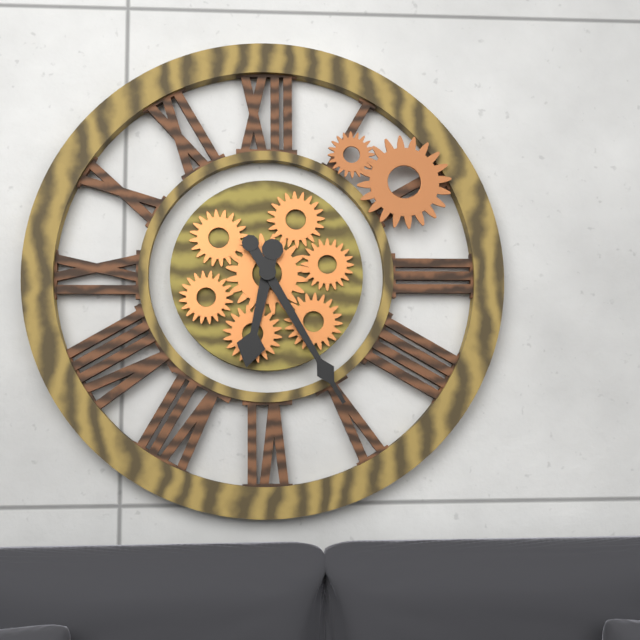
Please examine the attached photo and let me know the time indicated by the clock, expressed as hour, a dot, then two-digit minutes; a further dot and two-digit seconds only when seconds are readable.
6.25
